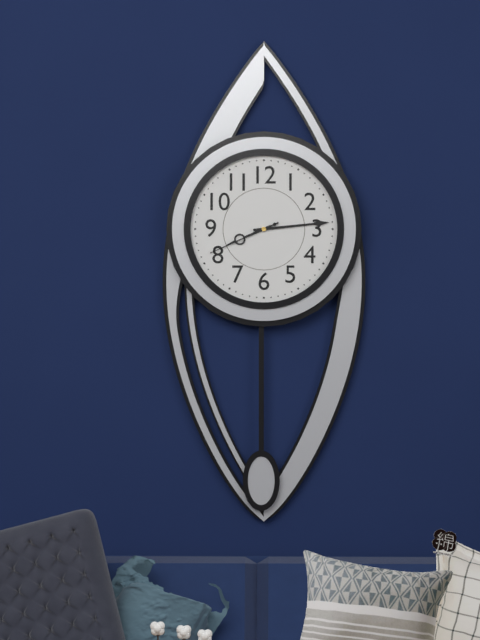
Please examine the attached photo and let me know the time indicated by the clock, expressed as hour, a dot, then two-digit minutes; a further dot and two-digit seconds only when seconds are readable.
8.14.41
